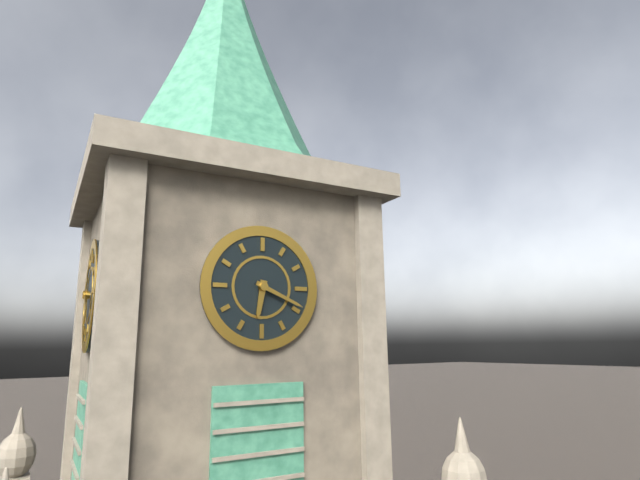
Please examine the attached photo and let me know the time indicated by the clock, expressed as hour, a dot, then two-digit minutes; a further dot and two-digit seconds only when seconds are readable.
6.19
